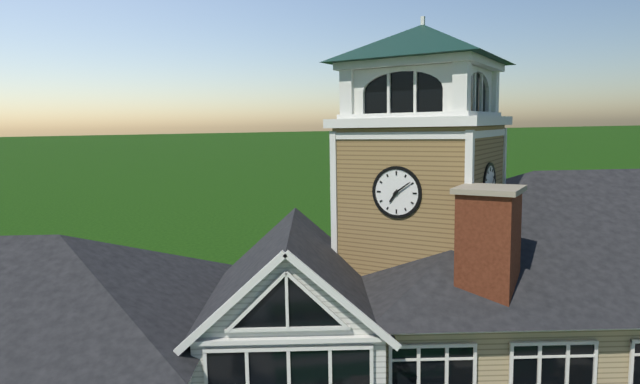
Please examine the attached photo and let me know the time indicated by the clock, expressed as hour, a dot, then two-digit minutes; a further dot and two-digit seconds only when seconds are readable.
7.09
